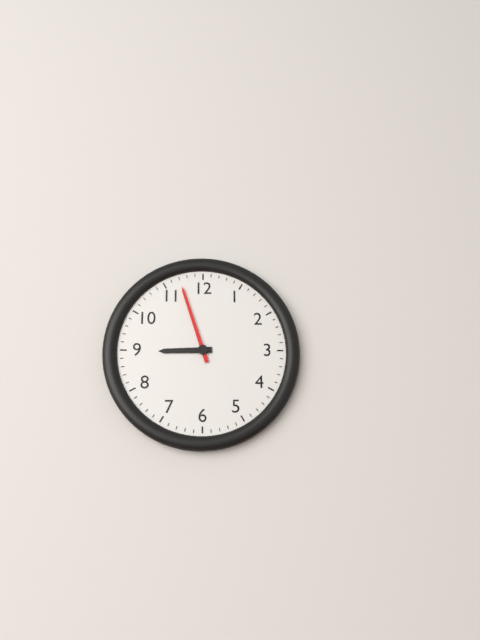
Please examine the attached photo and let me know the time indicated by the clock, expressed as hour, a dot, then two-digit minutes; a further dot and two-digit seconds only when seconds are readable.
8.57
